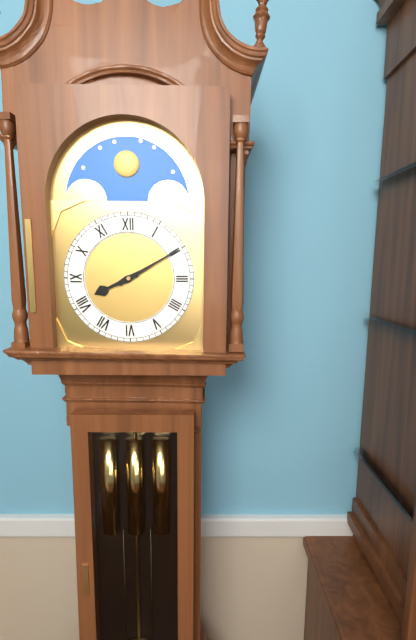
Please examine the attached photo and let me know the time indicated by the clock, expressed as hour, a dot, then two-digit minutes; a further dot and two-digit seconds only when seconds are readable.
8.10
